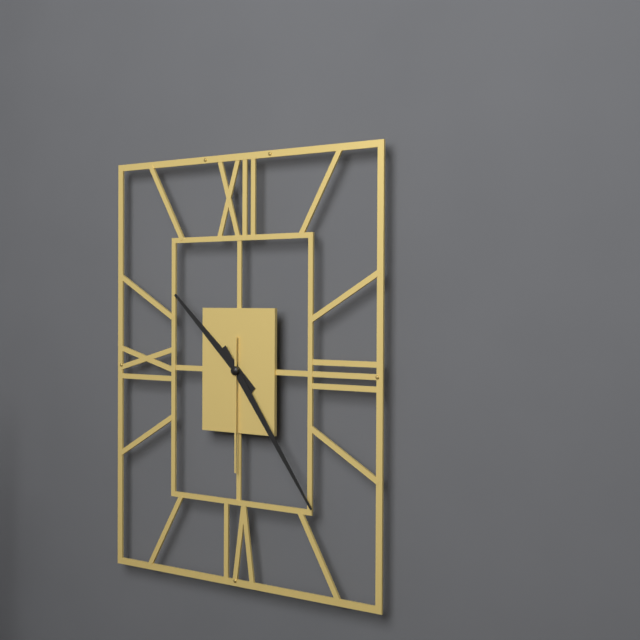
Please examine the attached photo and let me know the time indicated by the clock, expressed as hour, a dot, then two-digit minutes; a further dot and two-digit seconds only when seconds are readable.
10.24.30
